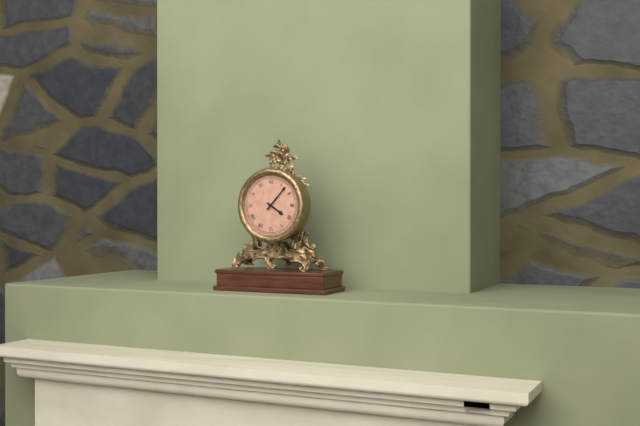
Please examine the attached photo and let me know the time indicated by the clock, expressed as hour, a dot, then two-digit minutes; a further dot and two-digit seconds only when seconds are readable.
4.07
